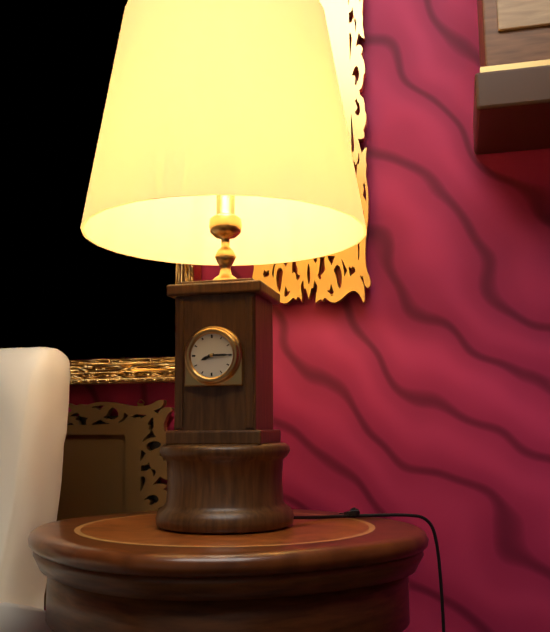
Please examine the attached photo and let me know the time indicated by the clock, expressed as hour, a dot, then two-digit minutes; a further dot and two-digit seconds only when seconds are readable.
8.15
